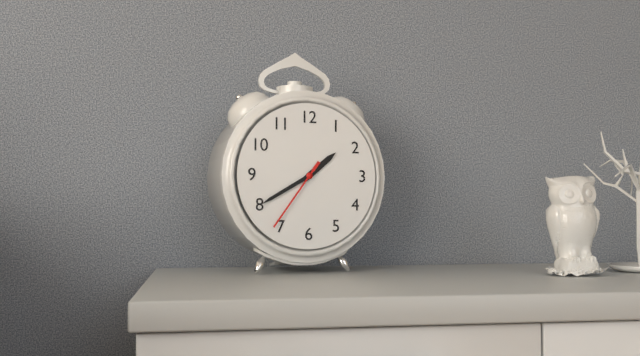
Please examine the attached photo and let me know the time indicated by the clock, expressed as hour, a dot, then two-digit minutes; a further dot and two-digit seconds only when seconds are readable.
1.40.36
